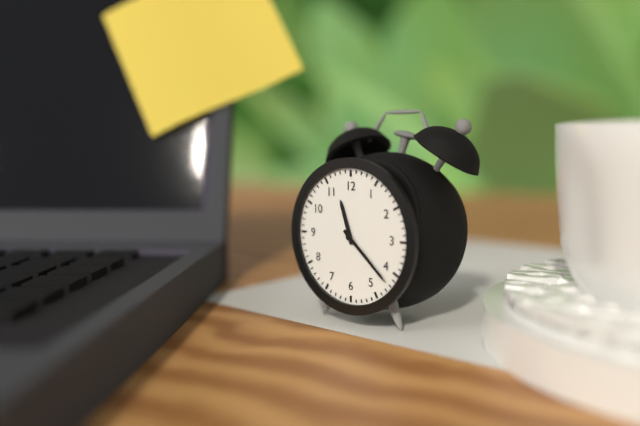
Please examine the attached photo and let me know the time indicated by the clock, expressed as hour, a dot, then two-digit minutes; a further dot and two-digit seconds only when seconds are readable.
11.22
